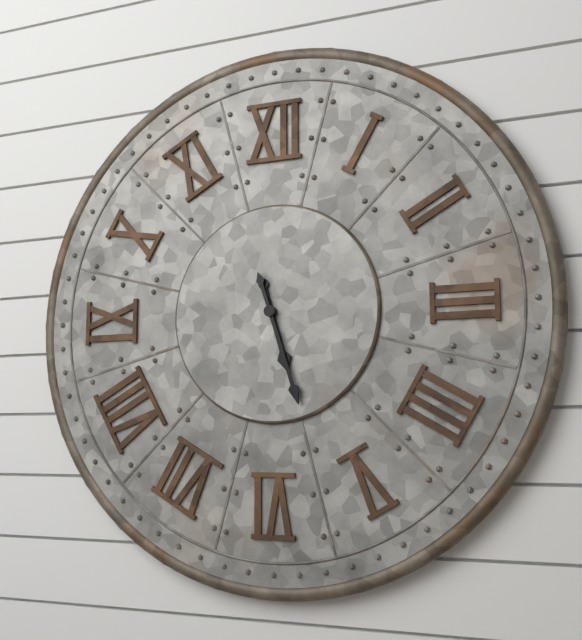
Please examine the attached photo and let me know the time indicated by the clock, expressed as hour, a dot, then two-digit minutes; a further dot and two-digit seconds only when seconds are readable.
5.27
